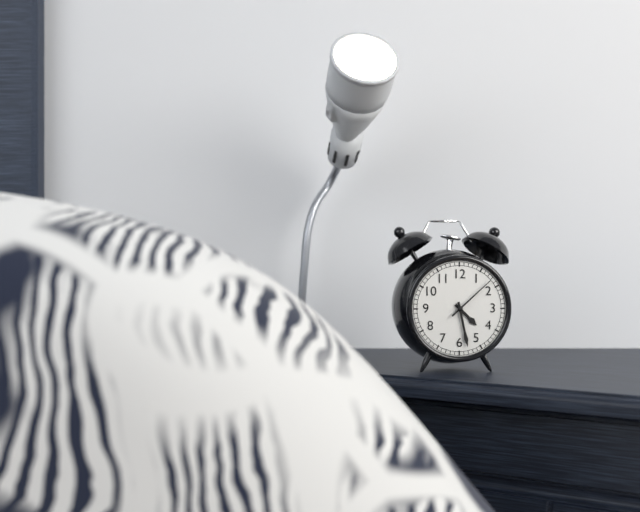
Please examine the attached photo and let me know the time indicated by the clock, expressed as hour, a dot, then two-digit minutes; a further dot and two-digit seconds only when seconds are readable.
4.28.08
